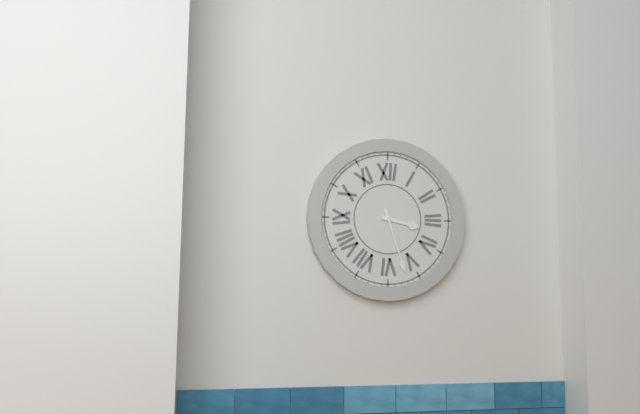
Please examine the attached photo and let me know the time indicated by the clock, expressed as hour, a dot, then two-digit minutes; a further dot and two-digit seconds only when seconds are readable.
3.27
